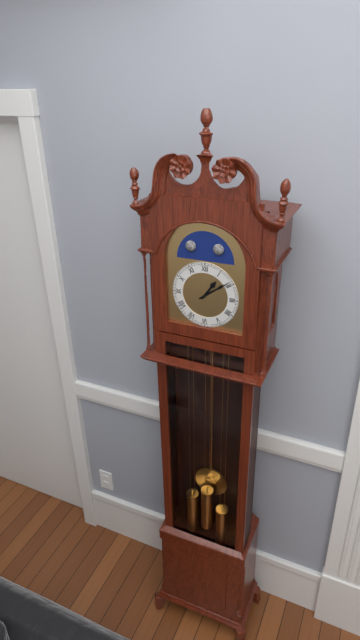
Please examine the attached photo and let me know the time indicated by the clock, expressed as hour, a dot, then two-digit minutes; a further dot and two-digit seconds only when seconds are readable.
1.09
